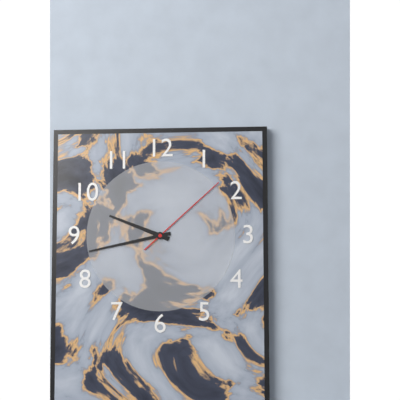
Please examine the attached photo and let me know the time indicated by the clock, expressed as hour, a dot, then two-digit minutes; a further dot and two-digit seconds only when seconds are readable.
9.43.08
